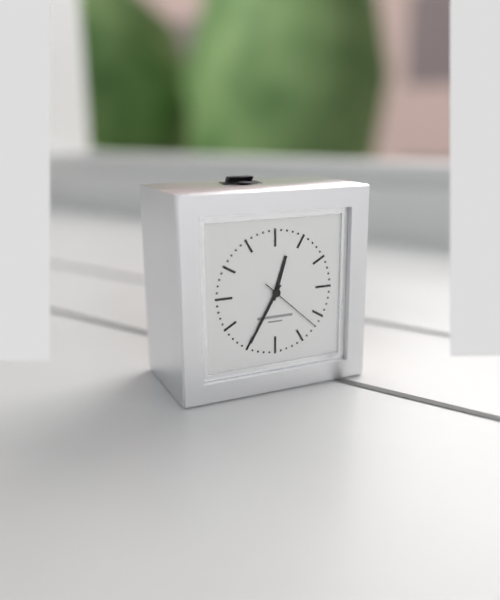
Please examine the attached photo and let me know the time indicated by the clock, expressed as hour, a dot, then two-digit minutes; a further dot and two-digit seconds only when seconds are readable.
12.35.22
